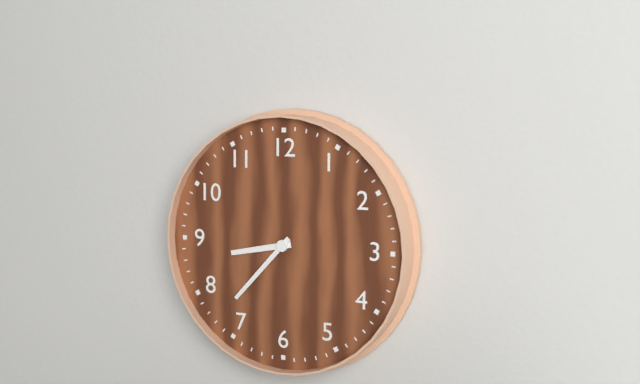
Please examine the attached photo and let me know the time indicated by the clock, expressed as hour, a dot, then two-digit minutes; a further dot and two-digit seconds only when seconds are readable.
8.37
